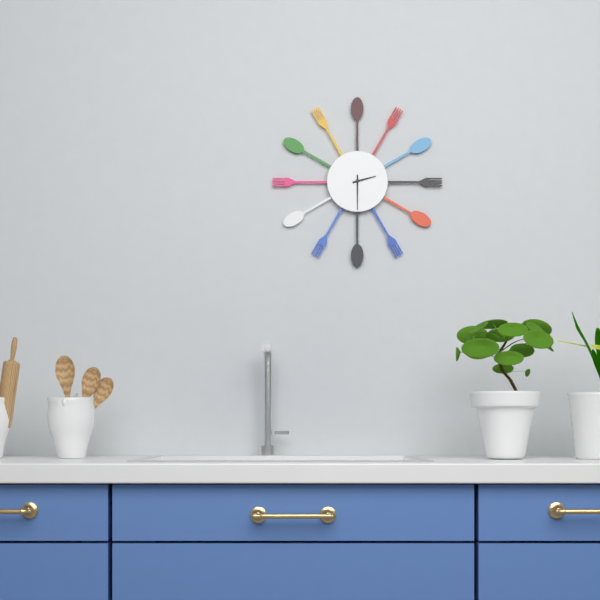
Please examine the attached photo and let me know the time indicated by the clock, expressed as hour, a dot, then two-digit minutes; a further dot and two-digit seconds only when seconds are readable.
2.30
